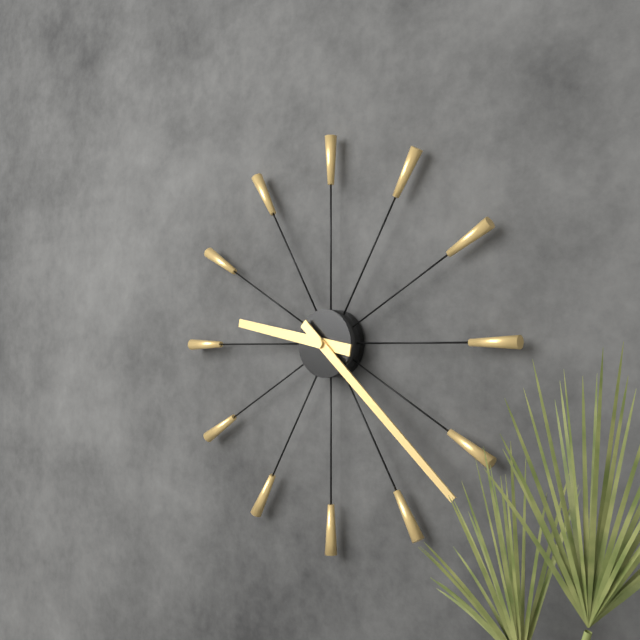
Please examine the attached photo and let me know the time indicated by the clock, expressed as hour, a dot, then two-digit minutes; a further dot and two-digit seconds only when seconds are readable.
9.22
